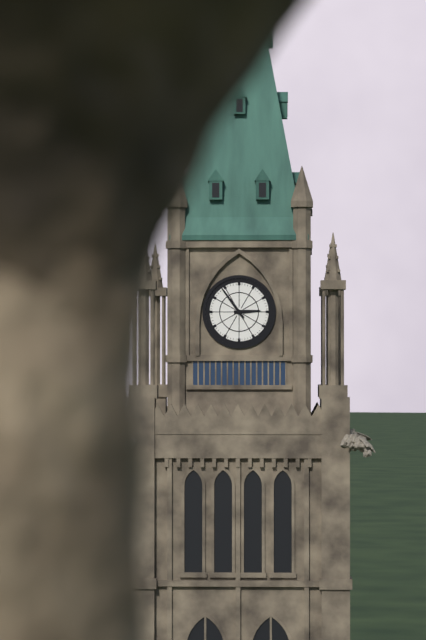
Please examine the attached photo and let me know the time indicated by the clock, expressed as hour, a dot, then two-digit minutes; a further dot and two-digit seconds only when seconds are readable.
2.54
